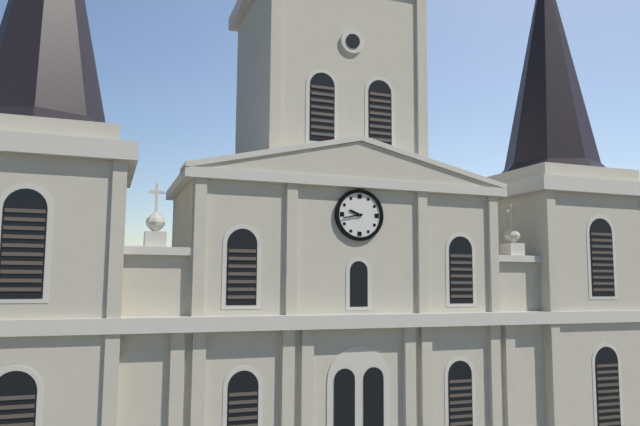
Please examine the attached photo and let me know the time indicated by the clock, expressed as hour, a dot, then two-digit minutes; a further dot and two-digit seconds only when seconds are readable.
9.43
